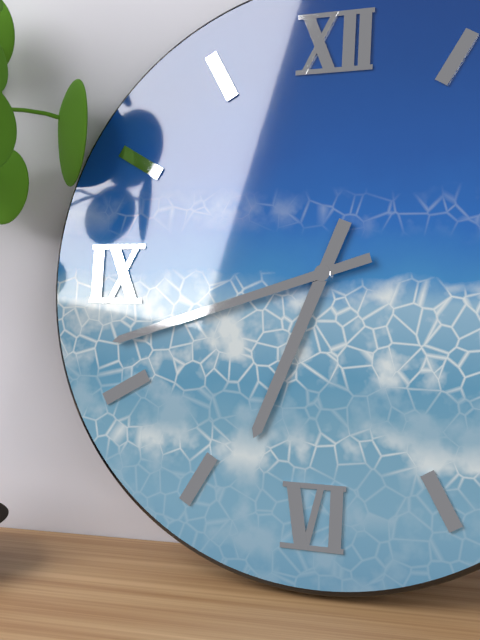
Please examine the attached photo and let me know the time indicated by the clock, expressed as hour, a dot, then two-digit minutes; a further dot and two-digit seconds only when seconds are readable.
6.42
